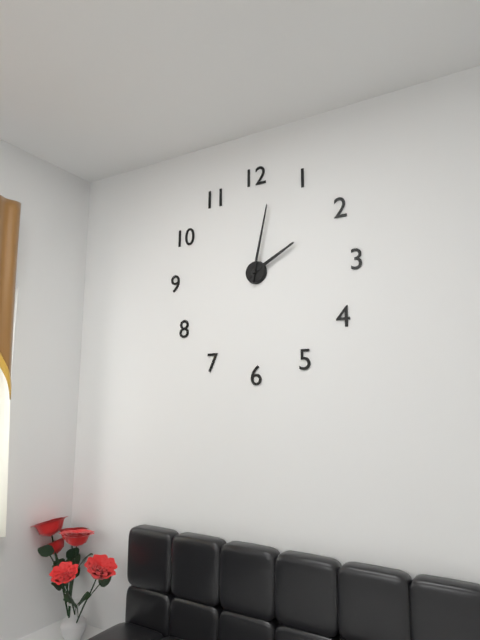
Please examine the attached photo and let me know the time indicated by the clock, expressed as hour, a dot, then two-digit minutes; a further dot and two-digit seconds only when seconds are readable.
2.02
